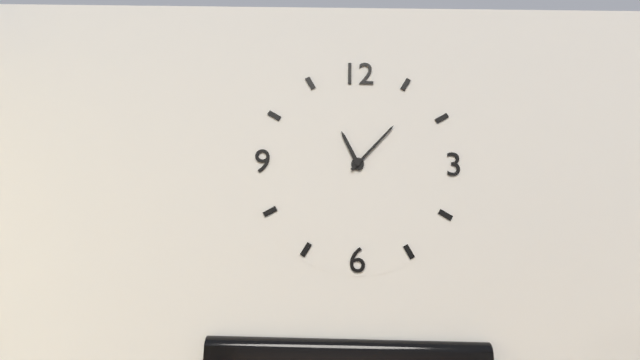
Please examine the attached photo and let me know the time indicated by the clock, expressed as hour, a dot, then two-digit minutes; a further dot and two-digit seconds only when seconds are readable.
11.07
